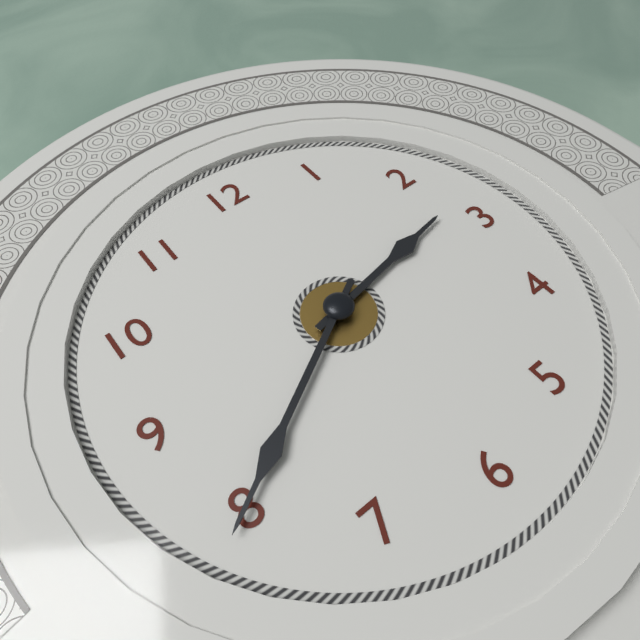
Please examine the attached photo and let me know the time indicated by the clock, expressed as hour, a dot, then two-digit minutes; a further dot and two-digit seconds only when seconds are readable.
2.40
